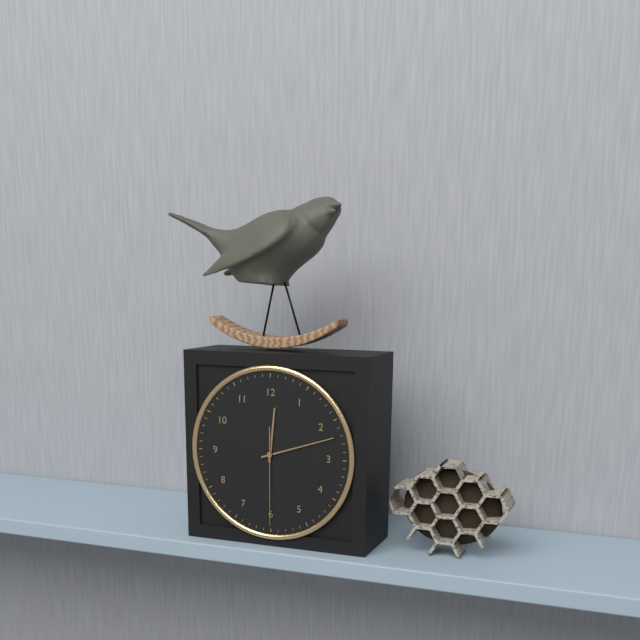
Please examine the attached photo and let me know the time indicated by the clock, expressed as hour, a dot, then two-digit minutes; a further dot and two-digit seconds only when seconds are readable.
12.12.30
